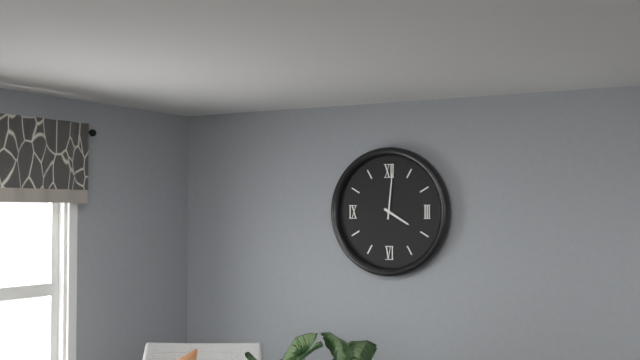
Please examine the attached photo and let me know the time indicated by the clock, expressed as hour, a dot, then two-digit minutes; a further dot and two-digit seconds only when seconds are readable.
4.01
